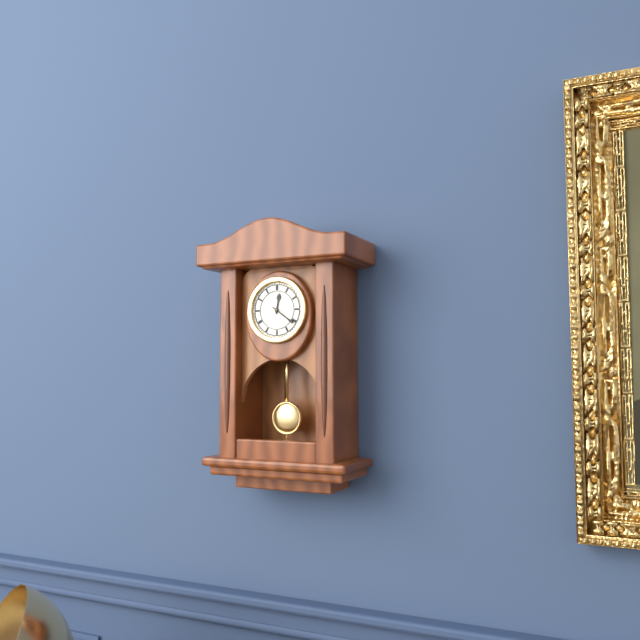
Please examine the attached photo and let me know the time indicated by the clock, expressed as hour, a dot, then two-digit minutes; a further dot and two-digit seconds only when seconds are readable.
12.21
